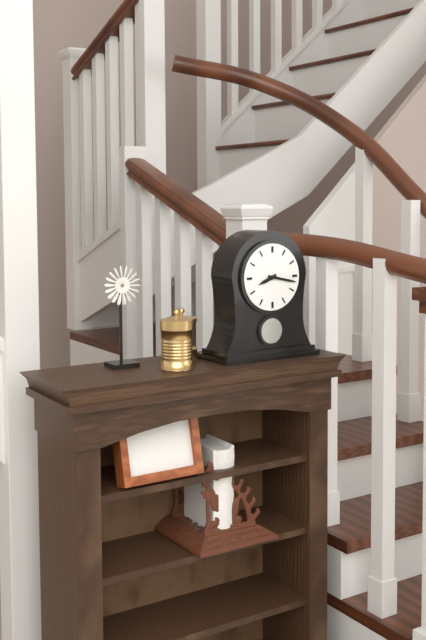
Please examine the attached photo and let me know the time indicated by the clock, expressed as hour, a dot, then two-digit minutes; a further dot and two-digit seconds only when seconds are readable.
8.17
